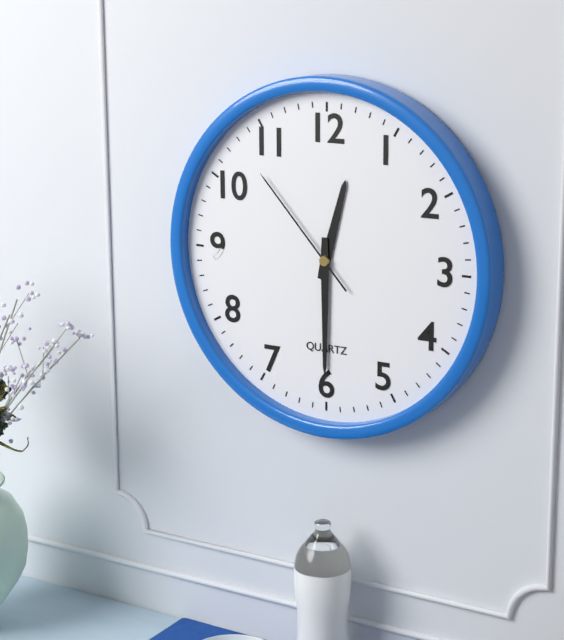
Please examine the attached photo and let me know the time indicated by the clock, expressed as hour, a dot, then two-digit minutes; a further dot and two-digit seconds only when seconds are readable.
12.30.53
